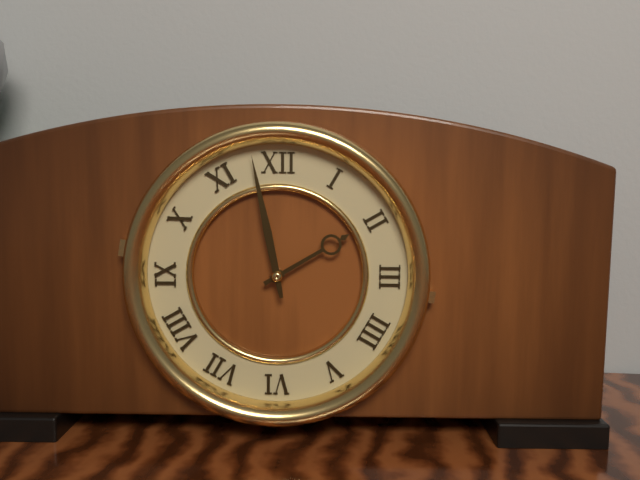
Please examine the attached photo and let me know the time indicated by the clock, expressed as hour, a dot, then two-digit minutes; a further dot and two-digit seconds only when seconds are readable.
1.58
